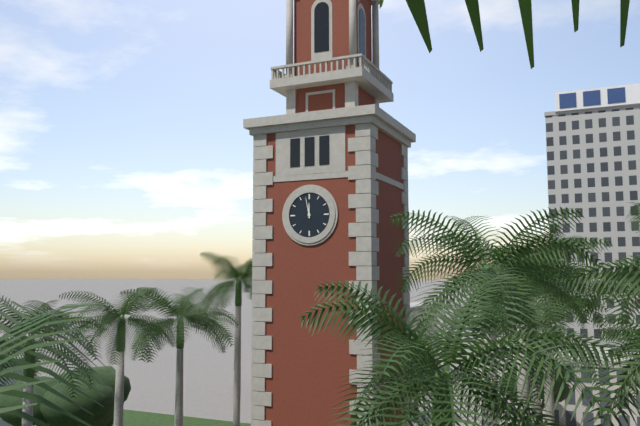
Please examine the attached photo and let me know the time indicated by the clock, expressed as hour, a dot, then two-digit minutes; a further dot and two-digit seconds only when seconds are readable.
11.58
